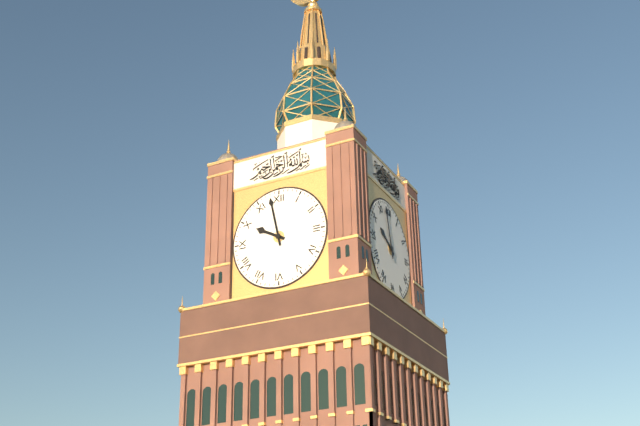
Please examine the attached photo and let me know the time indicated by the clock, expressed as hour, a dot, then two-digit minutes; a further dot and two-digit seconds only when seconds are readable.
9.58
